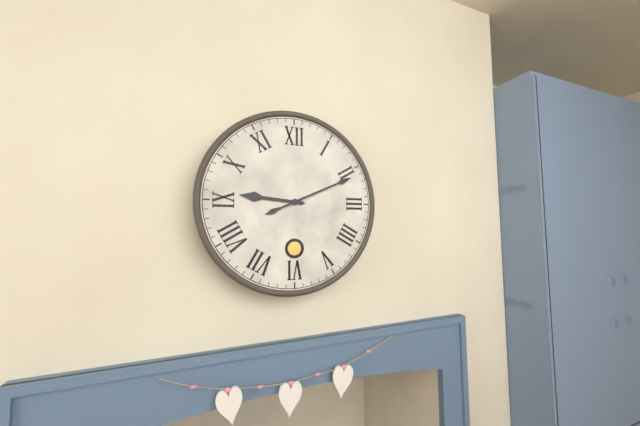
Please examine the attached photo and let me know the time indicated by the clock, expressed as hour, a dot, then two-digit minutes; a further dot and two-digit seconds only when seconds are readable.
9.11
